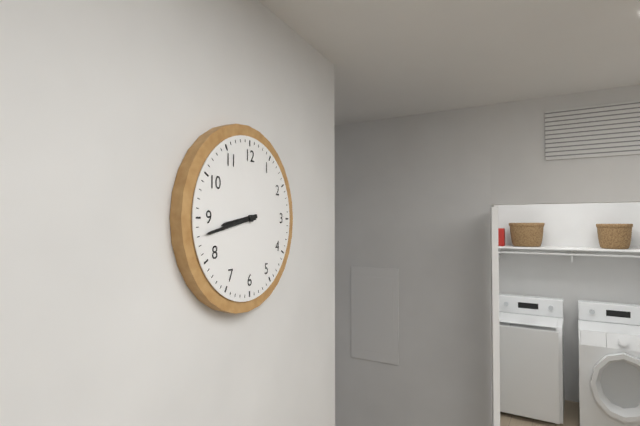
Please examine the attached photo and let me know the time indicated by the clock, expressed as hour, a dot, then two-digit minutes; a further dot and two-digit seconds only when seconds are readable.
8.43
